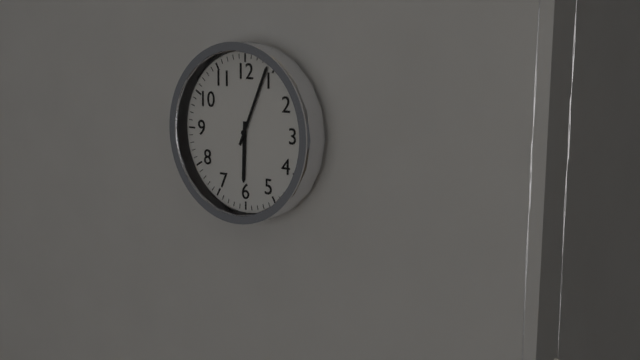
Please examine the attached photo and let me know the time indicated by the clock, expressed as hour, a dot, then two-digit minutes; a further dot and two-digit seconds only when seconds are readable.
6.04
